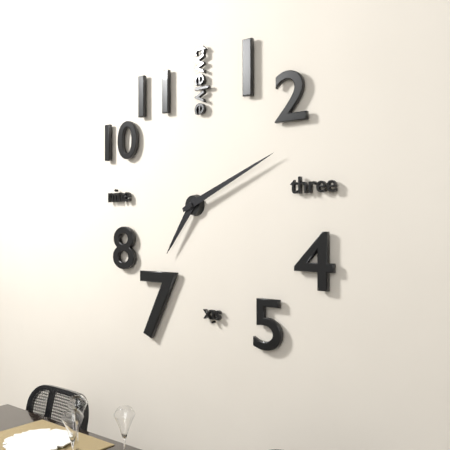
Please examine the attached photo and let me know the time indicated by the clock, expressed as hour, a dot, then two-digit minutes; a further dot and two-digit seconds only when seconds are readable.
7.11
